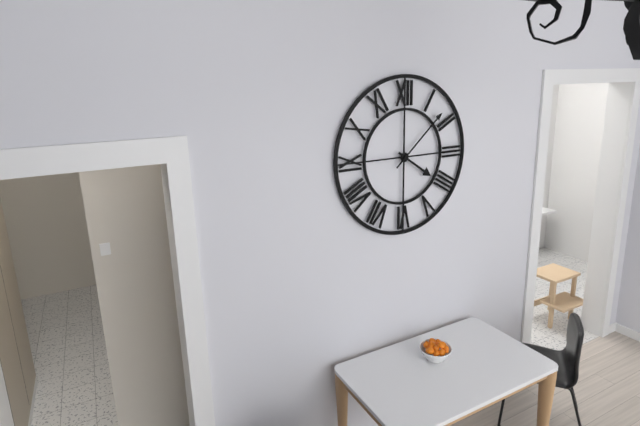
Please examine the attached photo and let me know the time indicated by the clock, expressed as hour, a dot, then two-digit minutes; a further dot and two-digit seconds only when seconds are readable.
4.08
